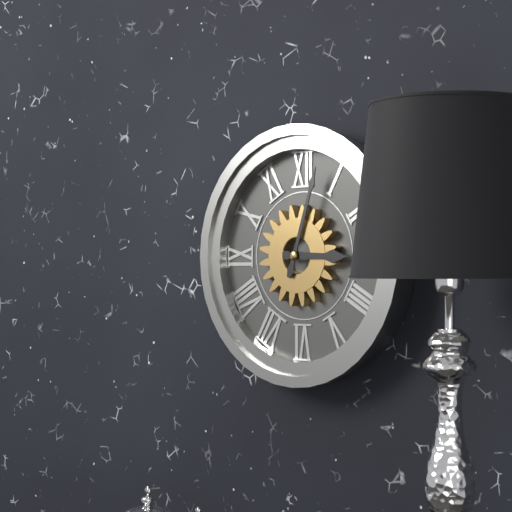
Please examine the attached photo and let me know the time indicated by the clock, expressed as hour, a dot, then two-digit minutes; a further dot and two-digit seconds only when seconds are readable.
3.03
